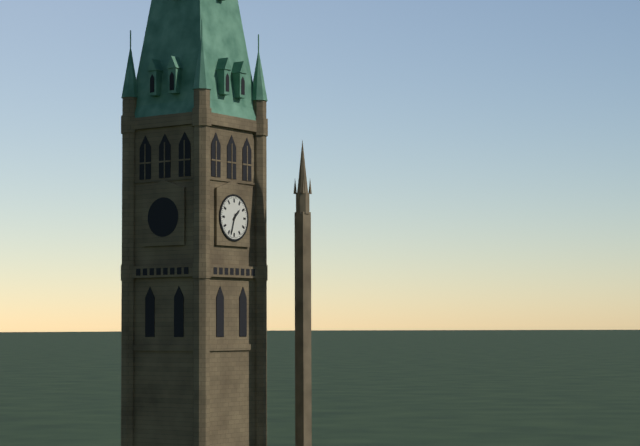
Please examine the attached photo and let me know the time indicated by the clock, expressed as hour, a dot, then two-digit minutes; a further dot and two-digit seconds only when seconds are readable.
1.33
